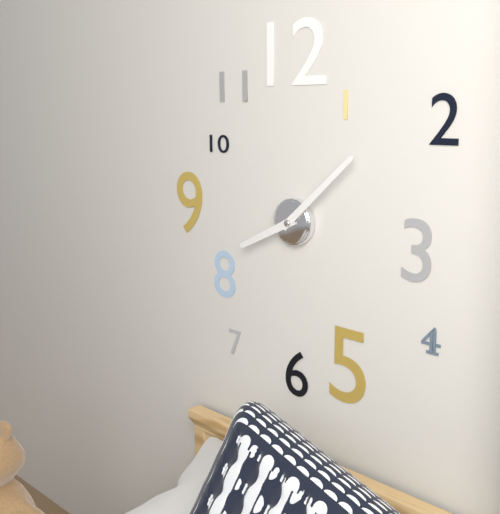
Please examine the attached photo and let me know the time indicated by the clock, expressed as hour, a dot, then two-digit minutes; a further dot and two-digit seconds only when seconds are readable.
8.08
